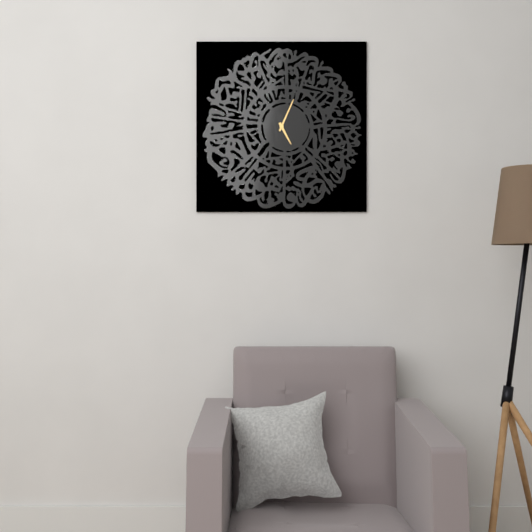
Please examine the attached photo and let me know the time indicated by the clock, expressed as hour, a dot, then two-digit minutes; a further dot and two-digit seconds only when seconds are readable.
5.04
